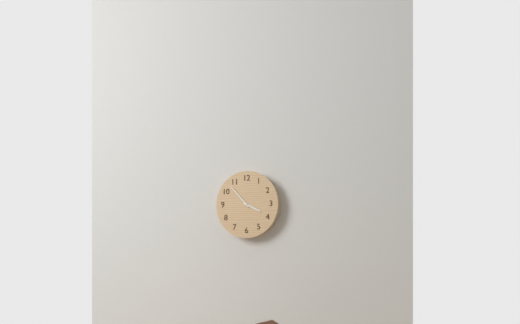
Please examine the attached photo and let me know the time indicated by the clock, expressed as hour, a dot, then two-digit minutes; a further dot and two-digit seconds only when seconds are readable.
3.53
